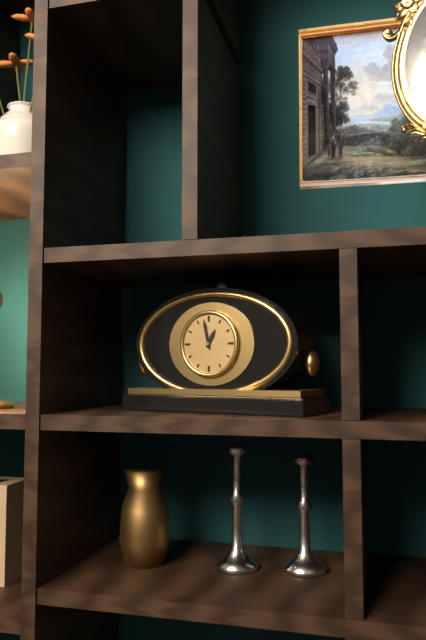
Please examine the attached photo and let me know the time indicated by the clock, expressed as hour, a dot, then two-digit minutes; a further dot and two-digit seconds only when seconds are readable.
12.58
